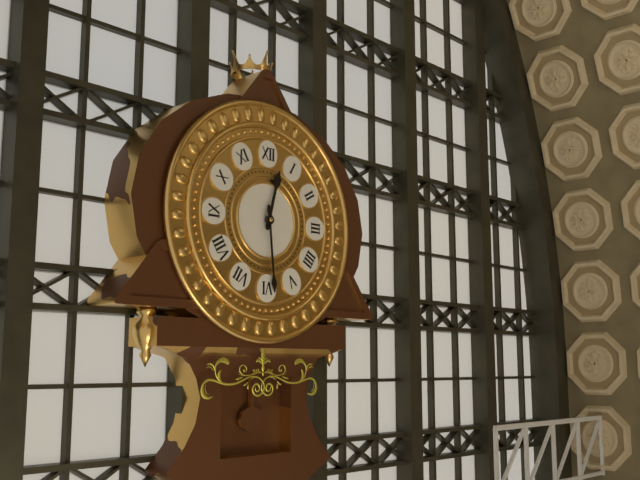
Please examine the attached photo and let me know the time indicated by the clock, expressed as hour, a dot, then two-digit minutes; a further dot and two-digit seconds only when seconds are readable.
12.29
